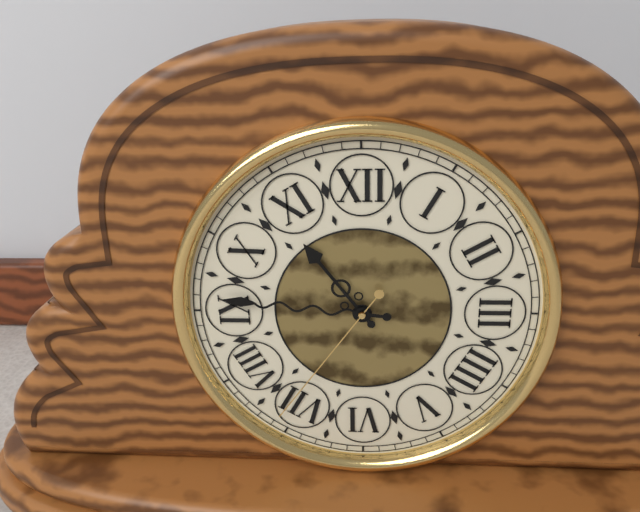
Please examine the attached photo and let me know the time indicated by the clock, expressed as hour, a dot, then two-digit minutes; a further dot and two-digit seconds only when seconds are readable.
10.46.36
